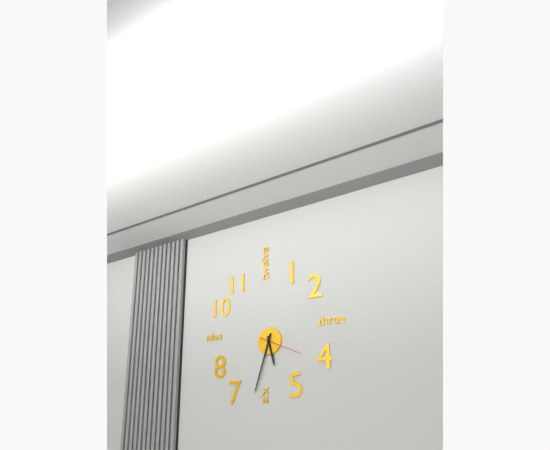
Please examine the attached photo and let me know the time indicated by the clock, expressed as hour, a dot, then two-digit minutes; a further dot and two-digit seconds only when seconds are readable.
5.33
